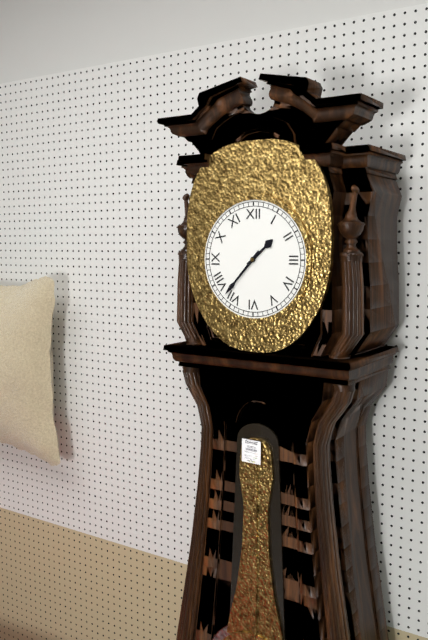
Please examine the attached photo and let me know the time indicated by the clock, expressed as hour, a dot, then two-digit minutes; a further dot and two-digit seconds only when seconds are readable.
1.37
